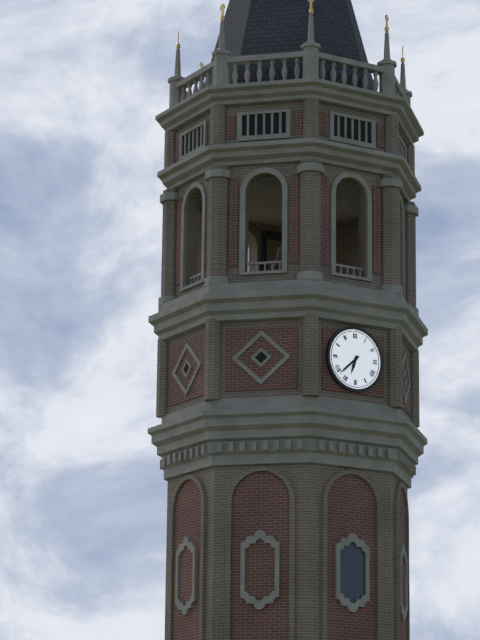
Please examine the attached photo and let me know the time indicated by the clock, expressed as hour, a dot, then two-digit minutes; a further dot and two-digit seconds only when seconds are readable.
6.38
